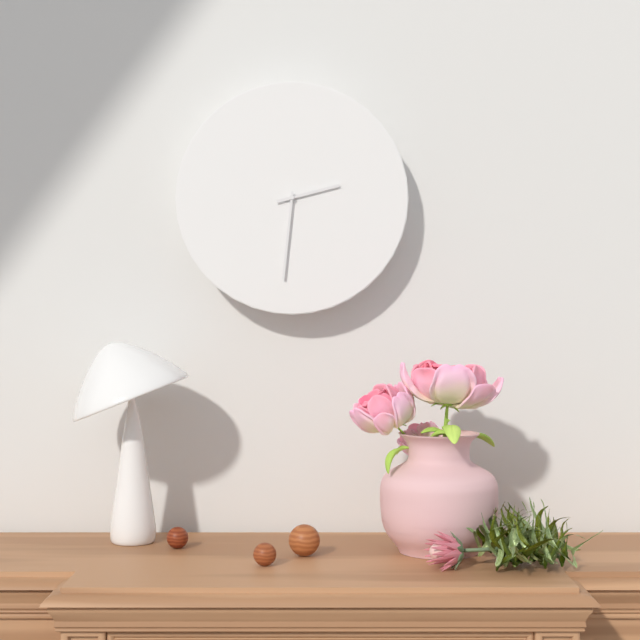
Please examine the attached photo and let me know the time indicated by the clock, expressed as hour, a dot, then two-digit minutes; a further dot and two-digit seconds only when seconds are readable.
2.31
